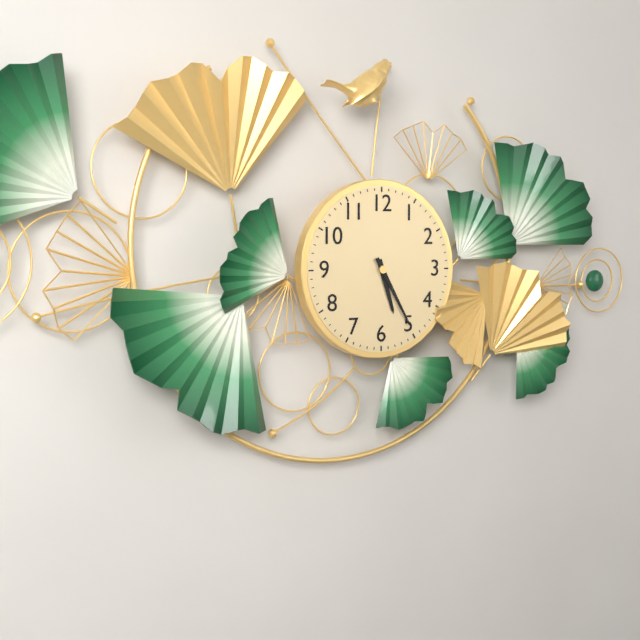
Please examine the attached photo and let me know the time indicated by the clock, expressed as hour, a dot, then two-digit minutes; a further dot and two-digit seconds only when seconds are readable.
5.25
